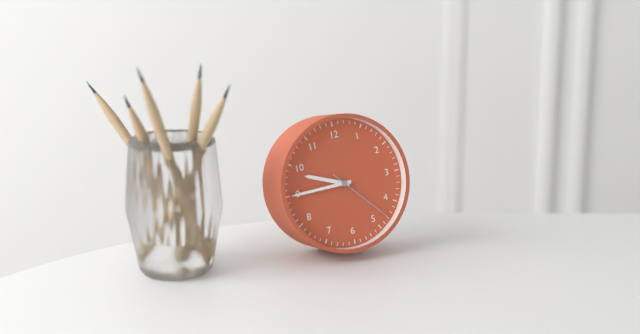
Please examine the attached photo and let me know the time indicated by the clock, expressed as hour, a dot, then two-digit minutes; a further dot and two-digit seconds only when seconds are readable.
9.45.23
